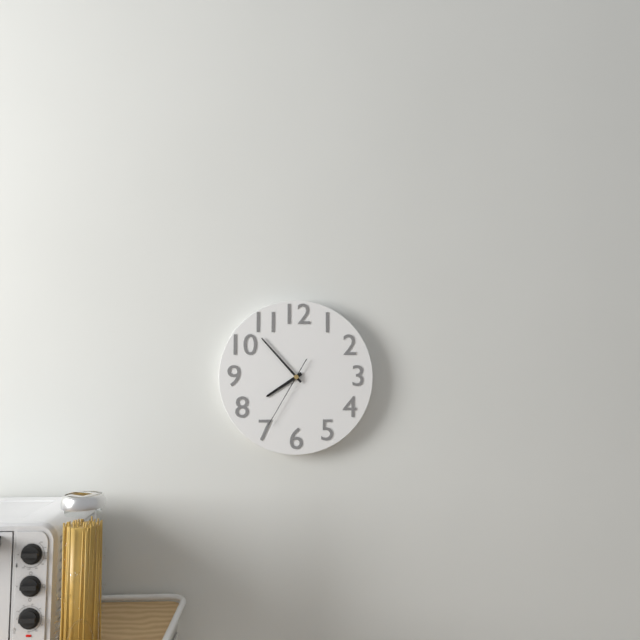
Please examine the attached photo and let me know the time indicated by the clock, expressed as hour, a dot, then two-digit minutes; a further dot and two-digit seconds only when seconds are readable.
7.53.35
